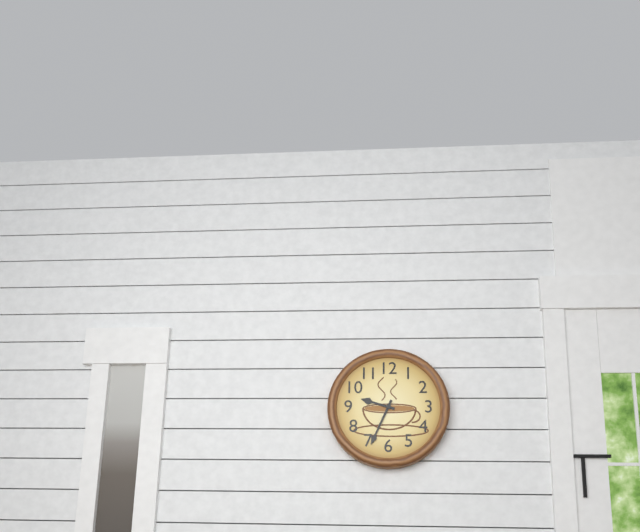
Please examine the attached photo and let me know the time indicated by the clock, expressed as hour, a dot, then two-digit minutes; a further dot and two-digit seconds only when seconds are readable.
9.34
